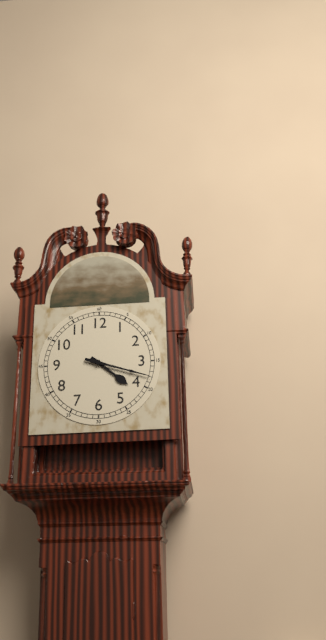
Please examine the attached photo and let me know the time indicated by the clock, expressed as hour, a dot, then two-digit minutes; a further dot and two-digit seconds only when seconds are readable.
4.18
